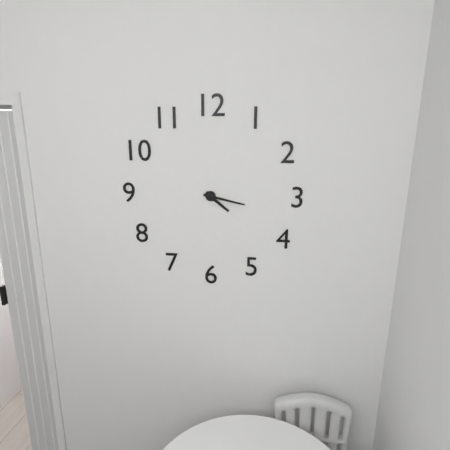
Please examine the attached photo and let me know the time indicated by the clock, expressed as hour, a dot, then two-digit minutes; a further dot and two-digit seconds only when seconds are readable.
4.17
